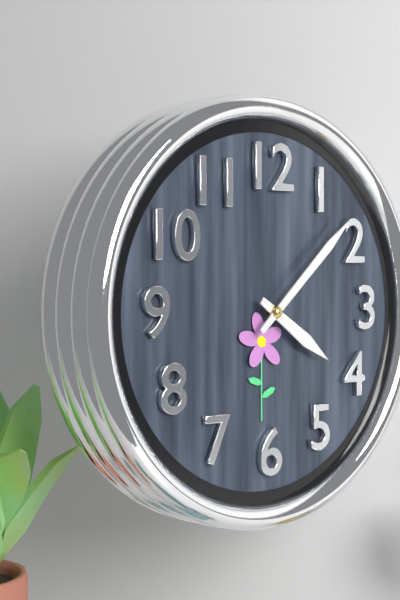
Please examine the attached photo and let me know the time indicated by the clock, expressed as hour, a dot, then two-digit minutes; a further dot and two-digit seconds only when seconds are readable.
4.08
